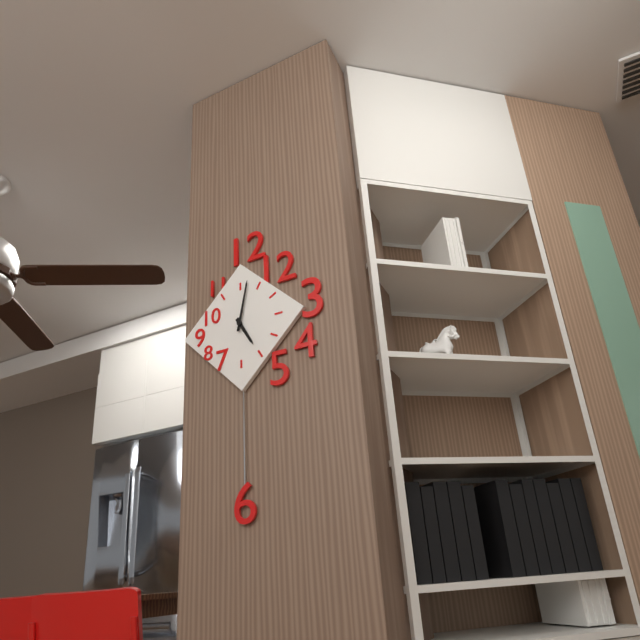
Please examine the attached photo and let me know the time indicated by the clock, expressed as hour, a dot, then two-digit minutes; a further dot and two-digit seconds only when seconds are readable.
5.02
